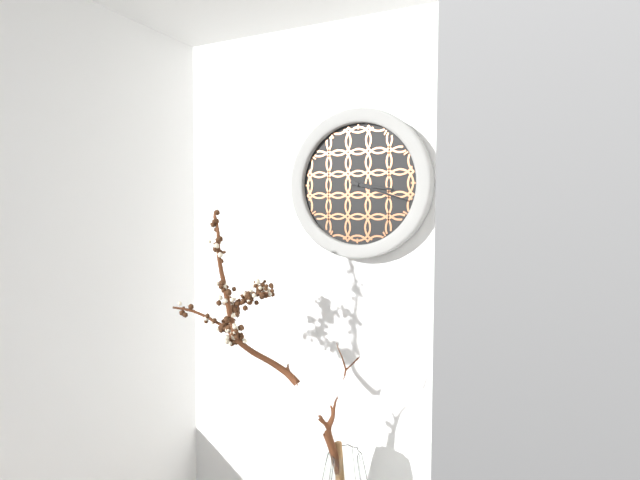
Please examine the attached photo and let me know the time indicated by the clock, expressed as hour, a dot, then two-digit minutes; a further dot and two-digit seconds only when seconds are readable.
3.18
